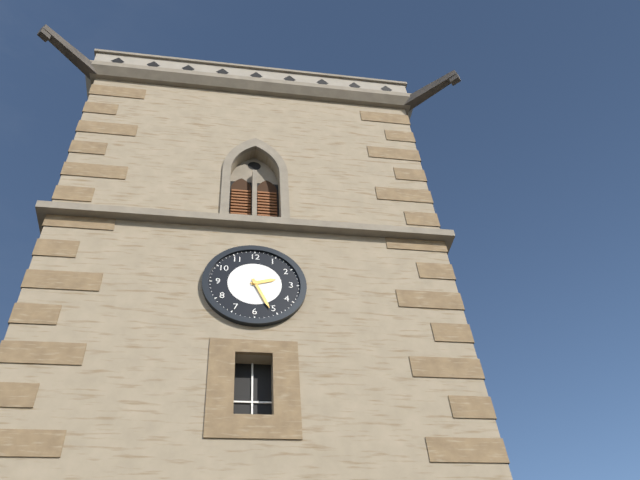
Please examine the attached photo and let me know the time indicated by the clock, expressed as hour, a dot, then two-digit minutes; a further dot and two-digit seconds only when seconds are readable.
2.26
